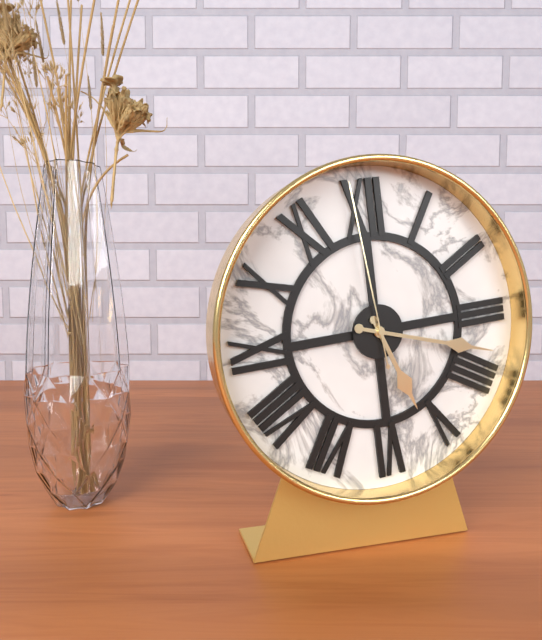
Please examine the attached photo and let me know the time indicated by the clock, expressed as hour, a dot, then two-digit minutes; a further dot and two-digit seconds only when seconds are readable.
5.18.59
